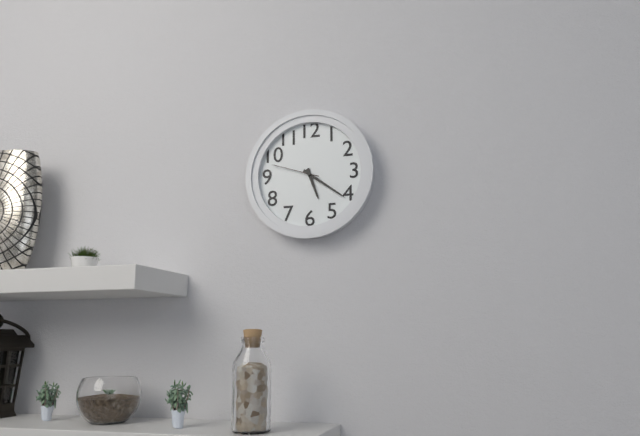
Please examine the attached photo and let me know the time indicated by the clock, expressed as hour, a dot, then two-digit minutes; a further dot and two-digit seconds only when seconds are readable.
5.21
